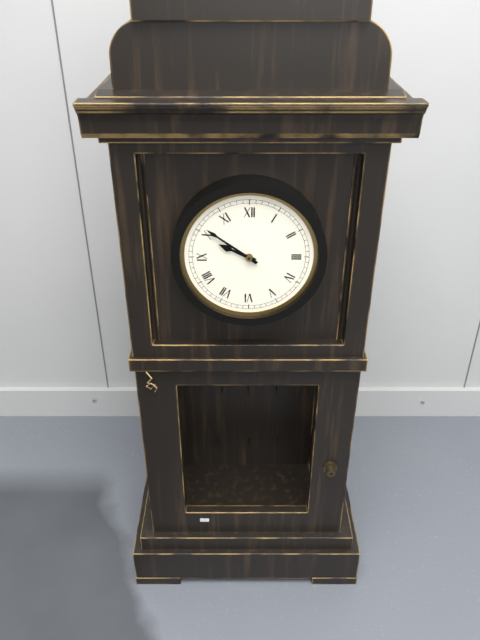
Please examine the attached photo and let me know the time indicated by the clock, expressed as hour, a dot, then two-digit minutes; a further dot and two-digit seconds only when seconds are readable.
9.51
